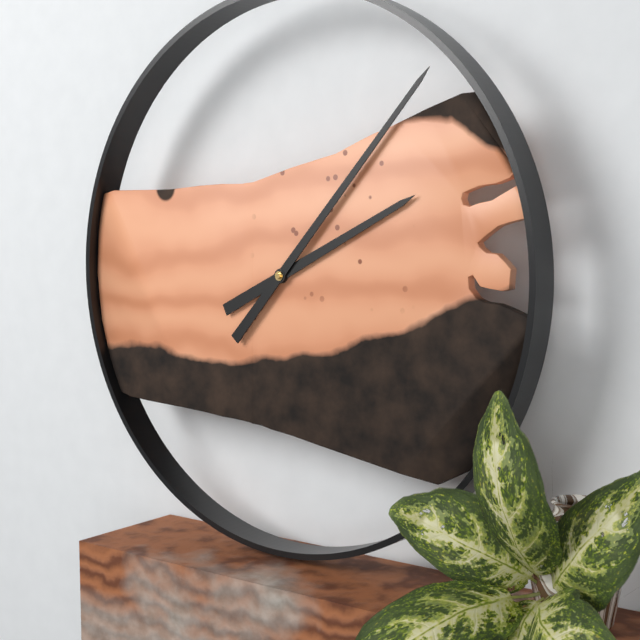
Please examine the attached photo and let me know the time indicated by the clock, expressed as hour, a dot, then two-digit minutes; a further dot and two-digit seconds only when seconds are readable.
2.07
